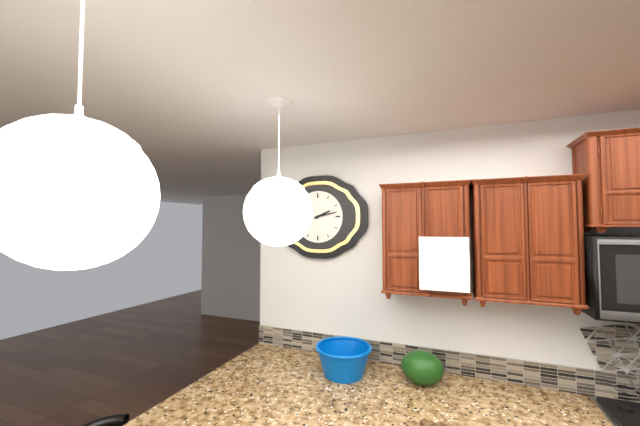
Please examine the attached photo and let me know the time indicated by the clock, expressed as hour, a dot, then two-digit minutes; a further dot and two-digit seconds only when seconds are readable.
2.13
